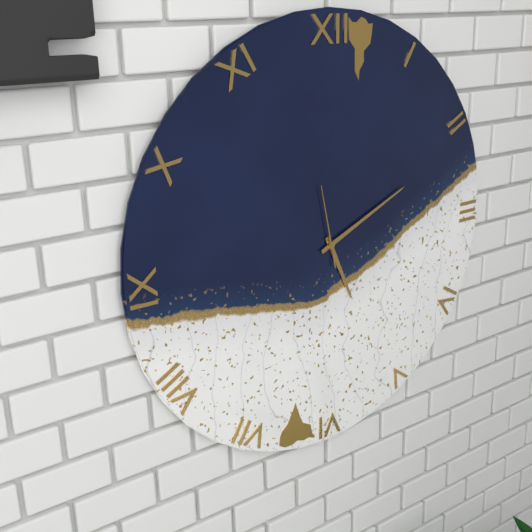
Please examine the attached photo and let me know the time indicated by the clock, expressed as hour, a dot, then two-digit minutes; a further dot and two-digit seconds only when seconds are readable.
5.11.58
